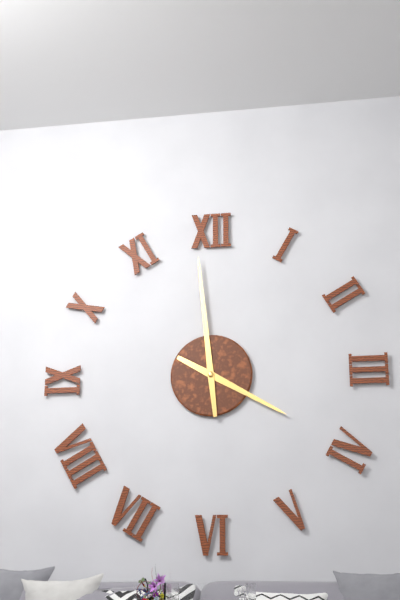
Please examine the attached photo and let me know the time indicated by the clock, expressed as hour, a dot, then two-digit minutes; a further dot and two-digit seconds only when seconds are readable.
3.59
